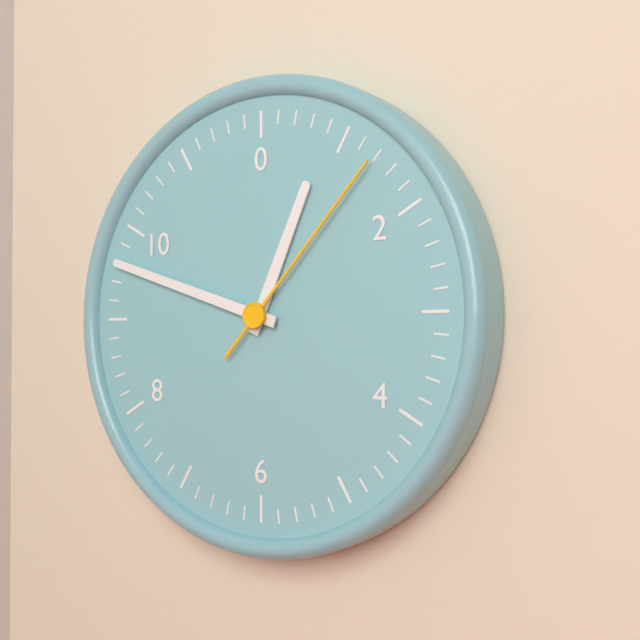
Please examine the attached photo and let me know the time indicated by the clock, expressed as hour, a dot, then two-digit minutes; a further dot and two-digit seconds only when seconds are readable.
12.48.07
